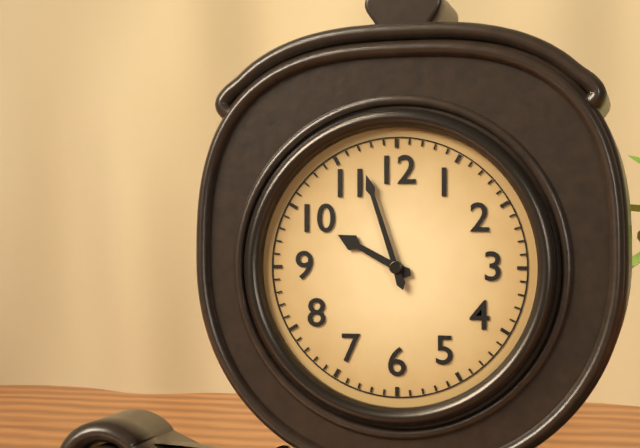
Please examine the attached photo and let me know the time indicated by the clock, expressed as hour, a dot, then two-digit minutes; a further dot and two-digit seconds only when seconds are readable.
9.57
